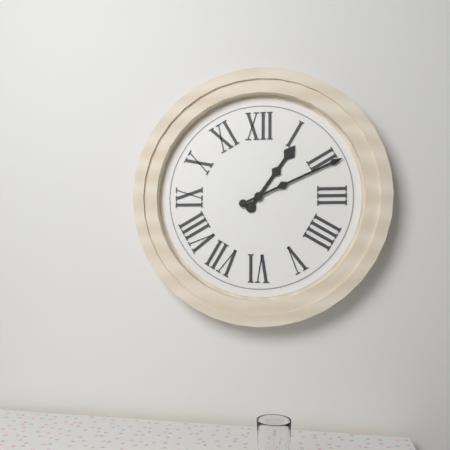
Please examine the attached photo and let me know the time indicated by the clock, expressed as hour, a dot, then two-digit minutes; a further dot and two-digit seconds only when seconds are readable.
1.11
